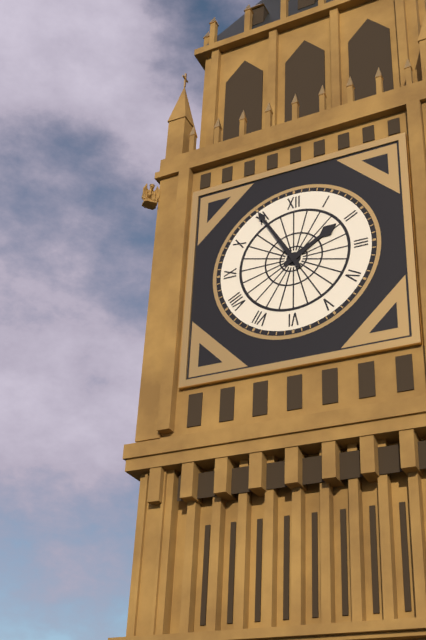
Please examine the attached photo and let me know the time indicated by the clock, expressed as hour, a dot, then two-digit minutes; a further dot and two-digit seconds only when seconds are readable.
1.55
